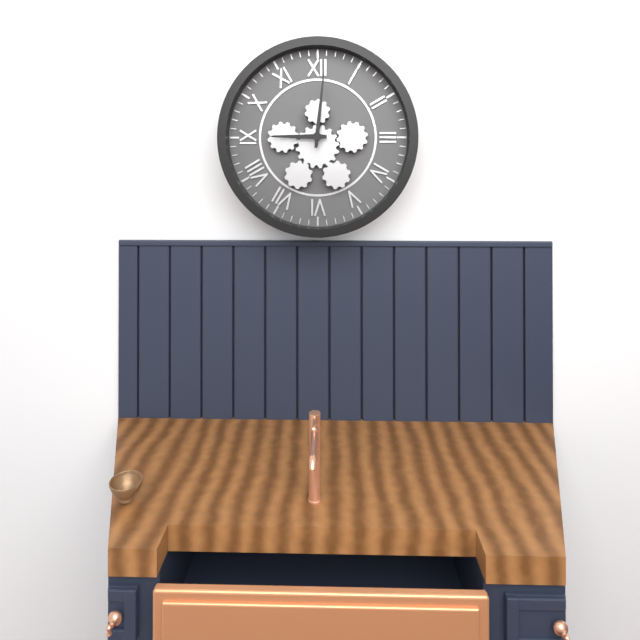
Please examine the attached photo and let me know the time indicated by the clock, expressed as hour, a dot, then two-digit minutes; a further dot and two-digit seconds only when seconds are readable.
9.01
